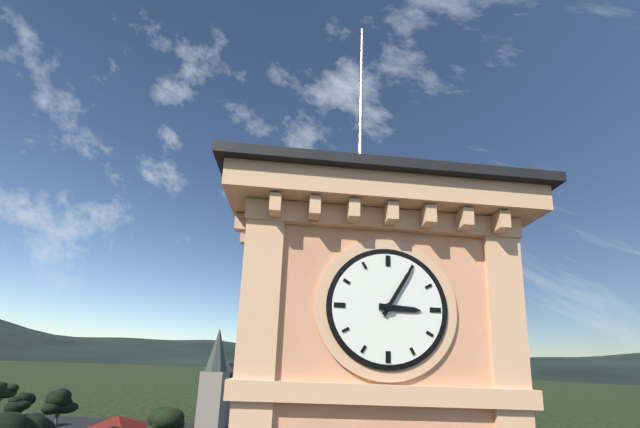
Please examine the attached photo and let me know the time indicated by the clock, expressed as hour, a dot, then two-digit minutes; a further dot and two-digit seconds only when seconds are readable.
3.05
